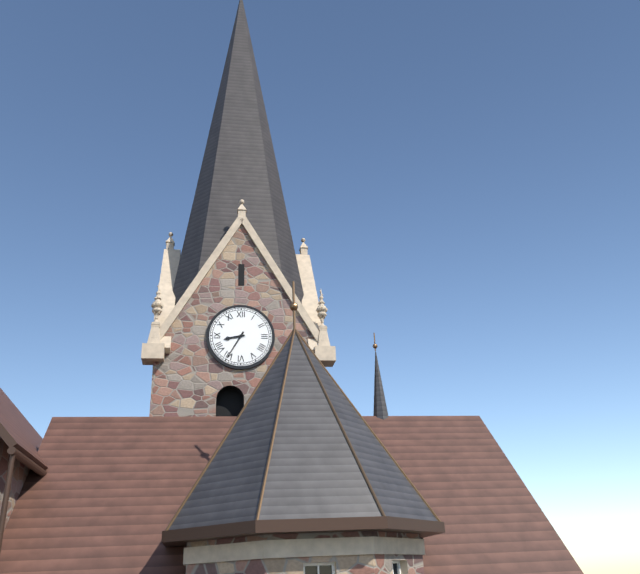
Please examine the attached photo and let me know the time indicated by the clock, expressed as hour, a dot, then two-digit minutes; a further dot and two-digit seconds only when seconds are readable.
8.35
